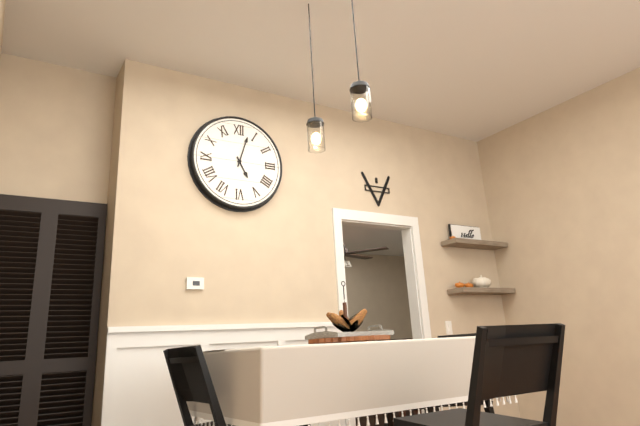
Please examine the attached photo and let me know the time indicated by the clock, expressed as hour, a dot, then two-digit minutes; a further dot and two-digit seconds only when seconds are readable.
5.03
